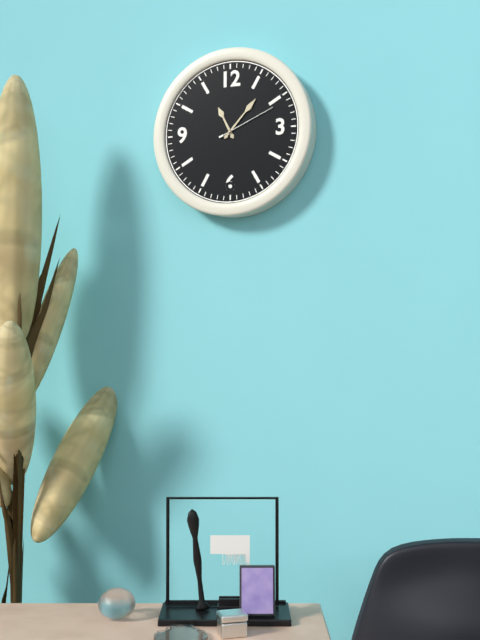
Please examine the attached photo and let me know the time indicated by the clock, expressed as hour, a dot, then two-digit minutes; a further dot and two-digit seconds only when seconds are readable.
11.07.11
